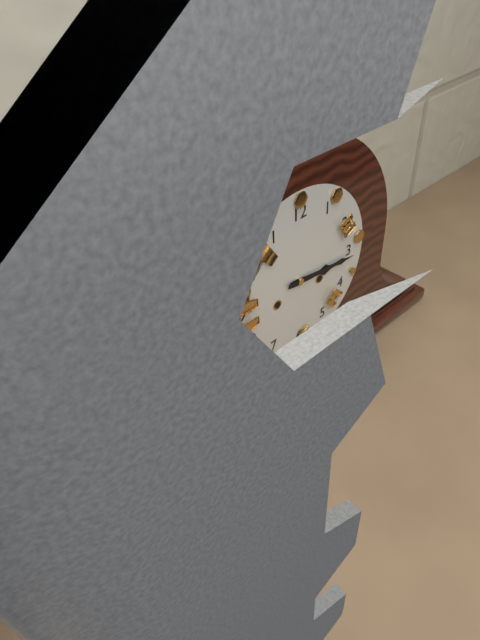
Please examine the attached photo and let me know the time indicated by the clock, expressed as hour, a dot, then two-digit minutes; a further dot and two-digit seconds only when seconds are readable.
3.16
